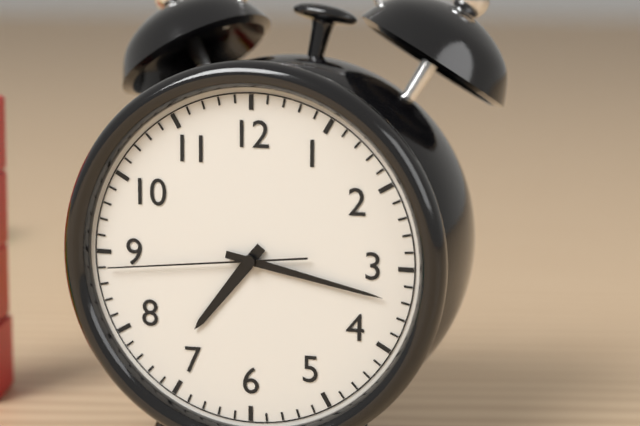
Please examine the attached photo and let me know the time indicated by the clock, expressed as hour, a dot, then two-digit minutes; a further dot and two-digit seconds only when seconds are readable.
7.17.44
